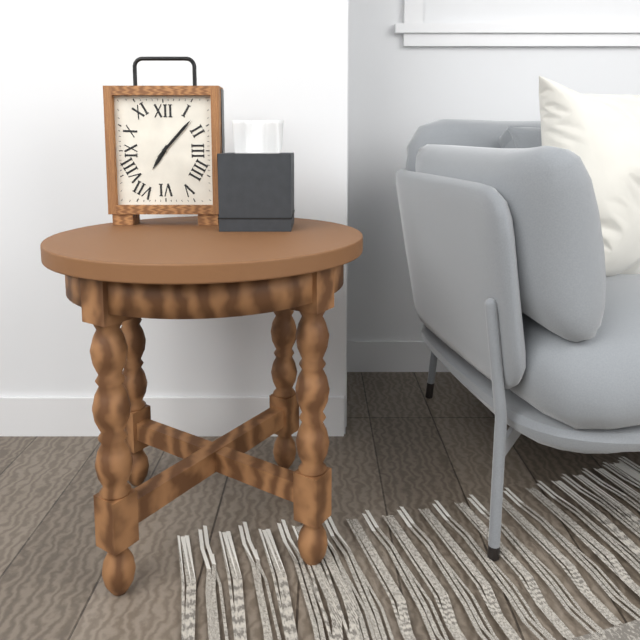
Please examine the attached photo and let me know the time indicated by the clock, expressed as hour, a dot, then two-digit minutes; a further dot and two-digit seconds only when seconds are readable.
7.07
